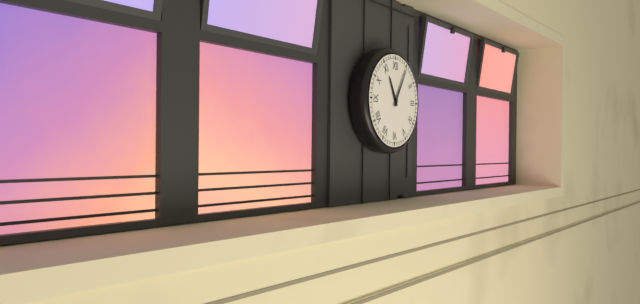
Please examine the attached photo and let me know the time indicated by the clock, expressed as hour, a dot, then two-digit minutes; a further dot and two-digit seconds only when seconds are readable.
11.05
